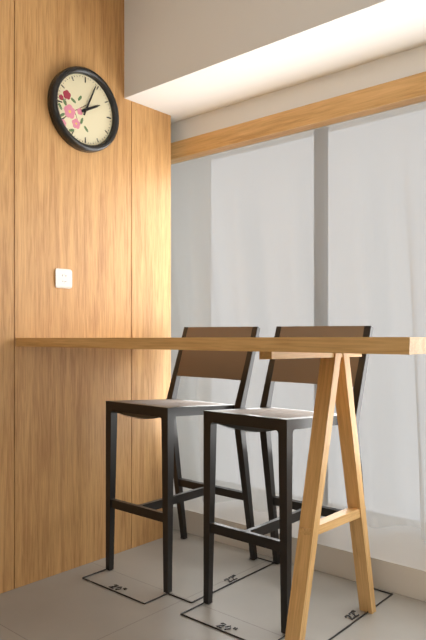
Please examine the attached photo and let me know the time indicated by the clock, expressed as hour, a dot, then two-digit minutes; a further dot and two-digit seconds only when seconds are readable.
2.04
